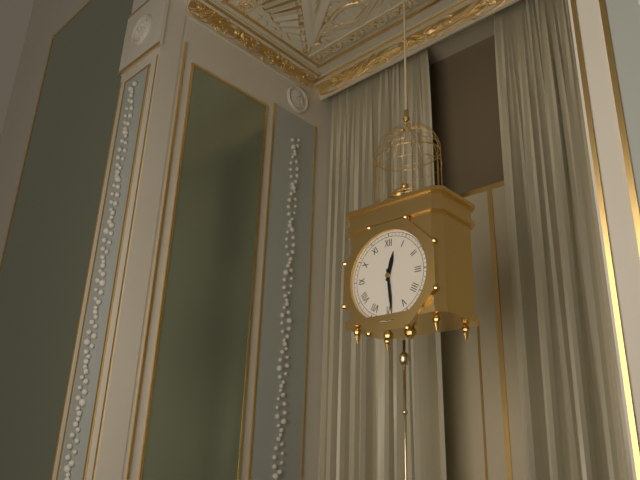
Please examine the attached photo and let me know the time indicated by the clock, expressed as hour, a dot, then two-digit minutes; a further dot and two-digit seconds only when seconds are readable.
12.29
